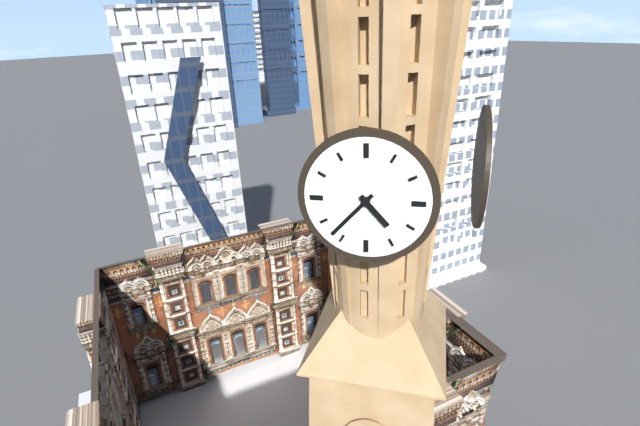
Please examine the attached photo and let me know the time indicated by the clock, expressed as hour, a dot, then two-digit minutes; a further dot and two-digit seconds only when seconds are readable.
4.37
